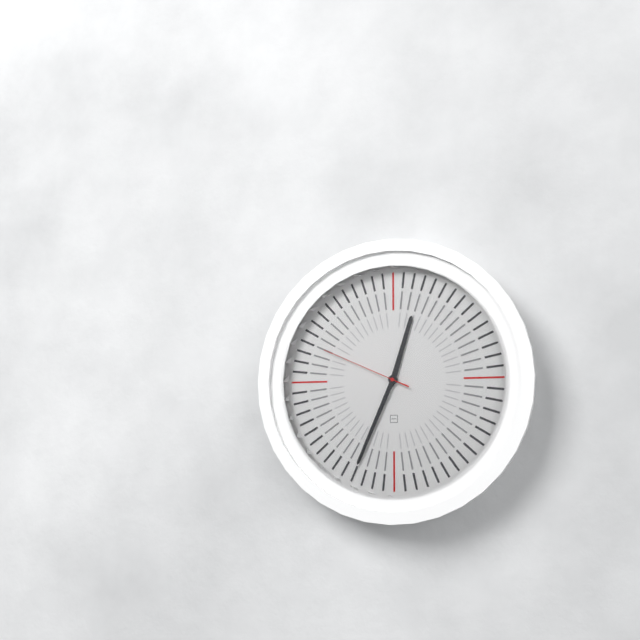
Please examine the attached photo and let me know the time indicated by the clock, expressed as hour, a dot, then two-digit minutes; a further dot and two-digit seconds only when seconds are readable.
12.34.49
